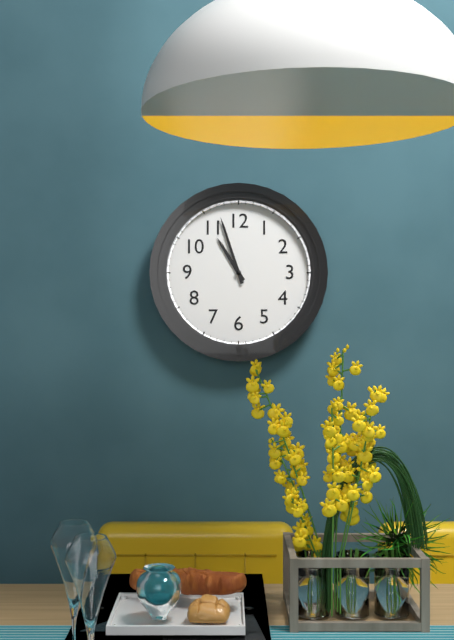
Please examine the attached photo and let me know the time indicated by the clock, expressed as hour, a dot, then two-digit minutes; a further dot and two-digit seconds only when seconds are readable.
10.57
